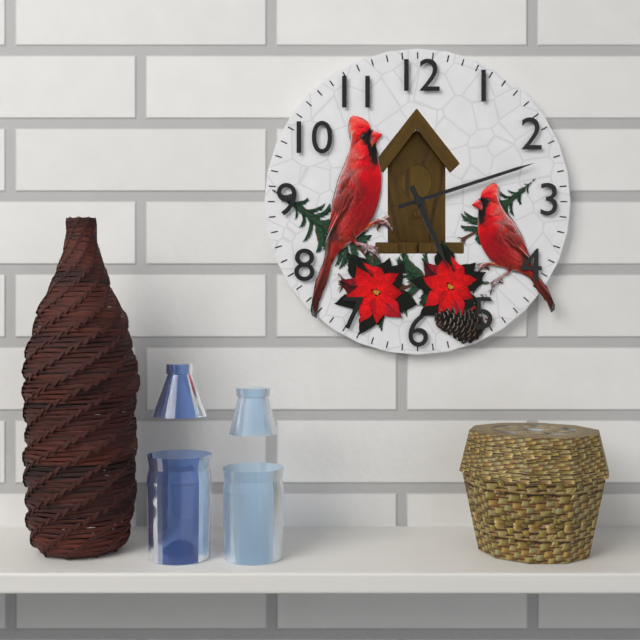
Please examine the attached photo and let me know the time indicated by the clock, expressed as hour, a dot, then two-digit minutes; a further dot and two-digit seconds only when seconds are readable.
5.12
